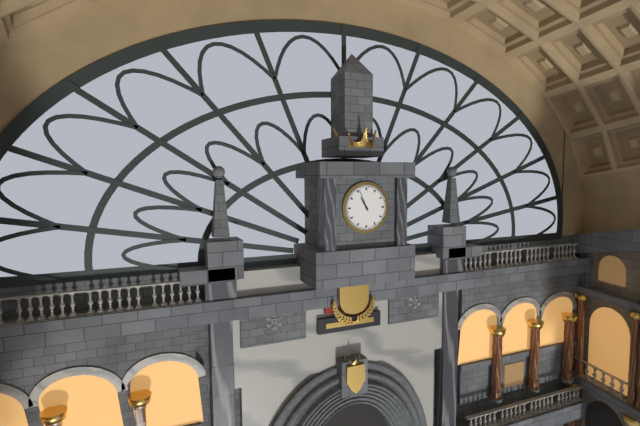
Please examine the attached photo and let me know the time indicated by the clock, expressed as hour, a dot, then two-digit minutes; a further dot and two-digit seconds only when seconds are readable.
10.56
